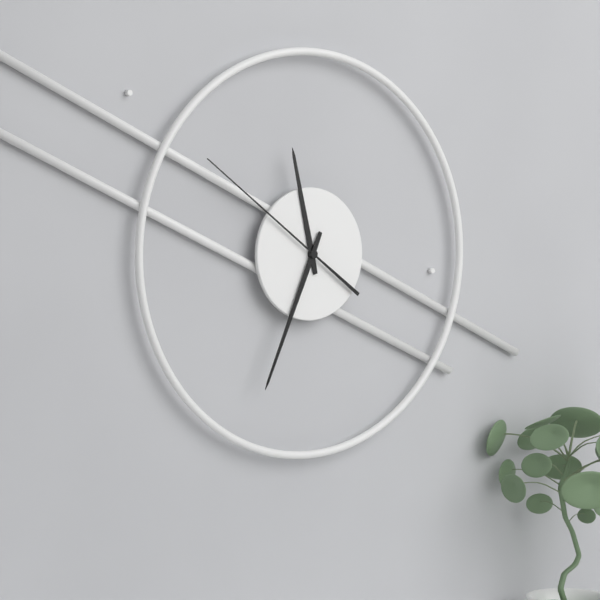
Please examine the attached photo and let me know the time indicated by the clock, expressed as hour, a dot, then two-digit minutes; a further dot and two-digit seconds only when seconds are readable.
11.34.51
